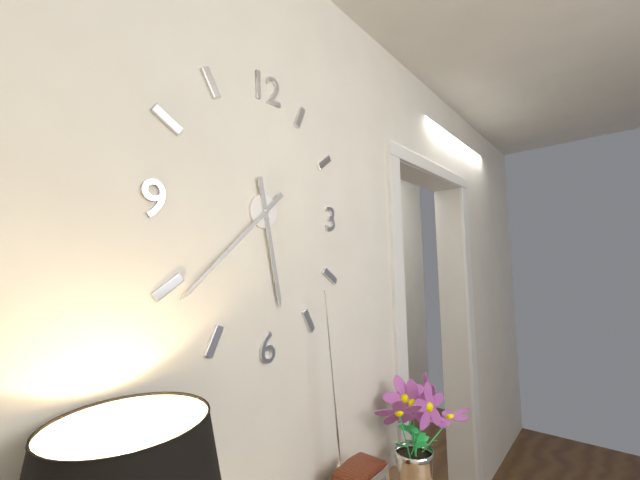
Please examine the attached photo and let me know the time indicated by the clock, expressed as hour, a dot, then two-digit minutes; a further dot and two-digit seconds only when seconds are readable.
5.38
